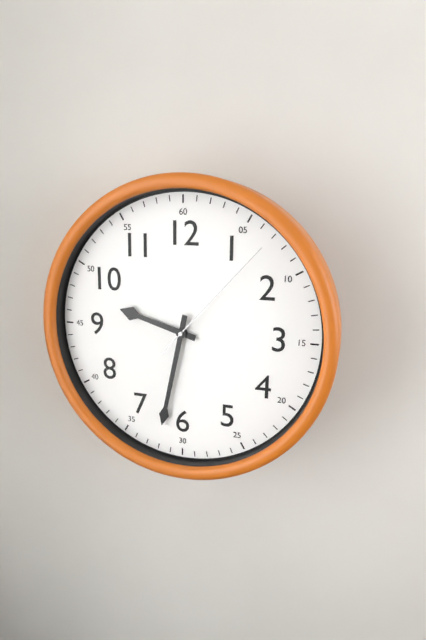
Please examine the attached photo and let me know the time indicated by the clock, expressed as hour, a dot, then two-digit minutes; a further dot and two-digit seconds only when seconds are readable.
9.32.07
